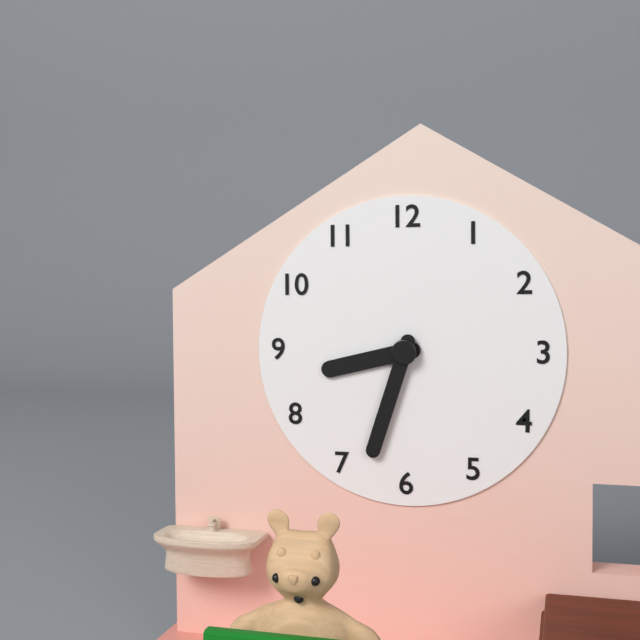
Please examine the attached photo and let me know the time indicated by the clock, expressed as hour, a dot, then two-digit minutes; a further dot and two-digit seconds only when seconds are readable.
8.33
